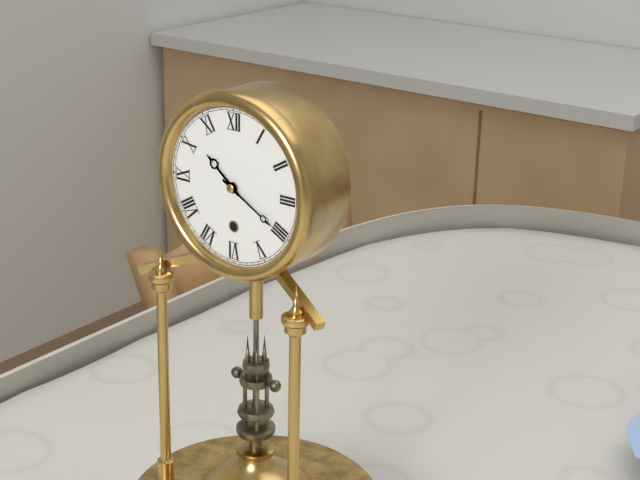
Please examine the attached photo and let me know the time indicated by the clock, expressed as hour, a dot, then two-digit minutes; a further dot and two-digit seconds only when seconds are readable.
10.20
